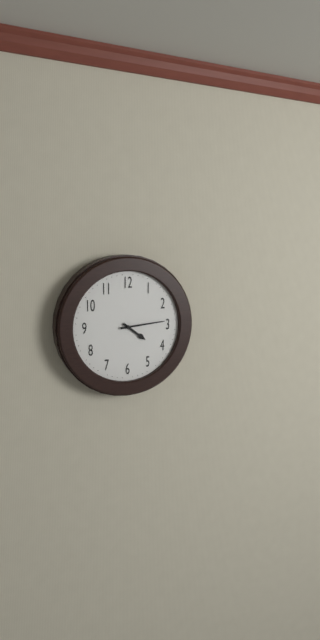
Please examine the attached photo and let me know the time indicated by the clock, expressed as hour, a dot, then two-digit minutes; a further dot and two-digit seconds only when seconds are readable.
4.14
